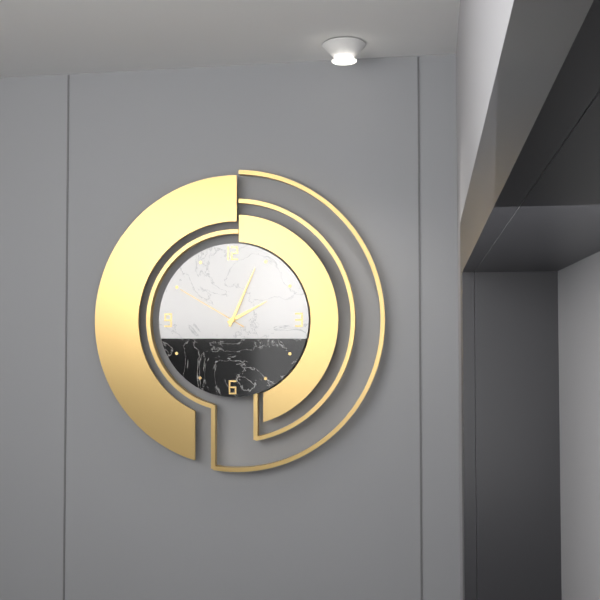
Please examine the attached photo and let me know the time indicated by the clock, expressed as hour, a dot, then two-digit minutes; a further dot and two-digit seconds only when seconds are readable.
2.04.50
